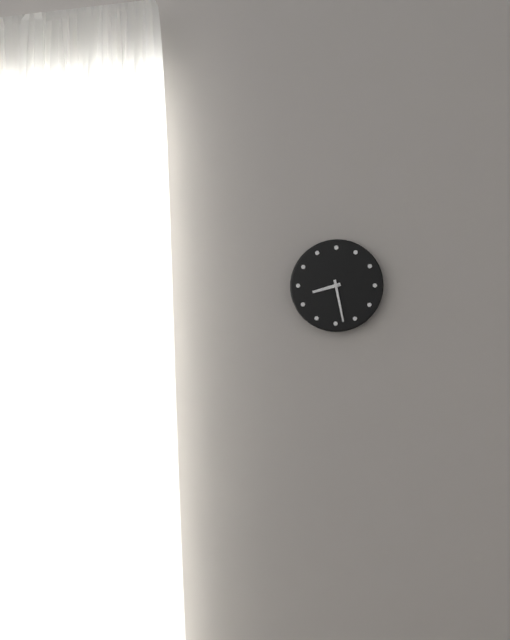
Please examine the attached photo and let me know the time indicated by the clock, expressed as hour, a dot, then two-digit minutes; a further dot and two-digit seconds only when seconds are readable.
8.28
